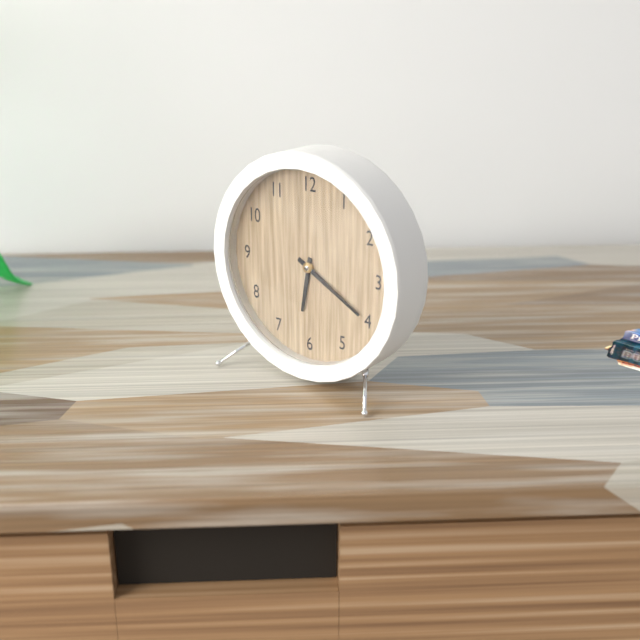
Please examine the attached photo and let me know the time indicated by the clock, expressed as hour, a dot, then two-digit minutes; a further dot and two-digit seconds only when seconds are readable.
6.20
